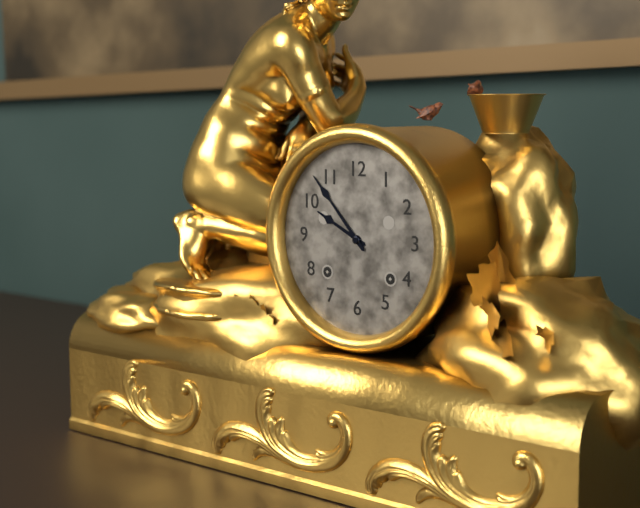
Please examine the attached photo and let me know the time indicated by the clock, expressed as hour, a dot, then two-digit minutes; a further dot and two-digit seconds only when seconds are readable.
9.53
